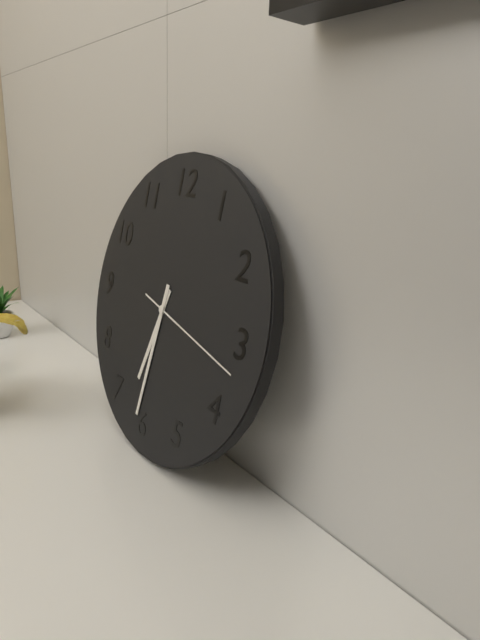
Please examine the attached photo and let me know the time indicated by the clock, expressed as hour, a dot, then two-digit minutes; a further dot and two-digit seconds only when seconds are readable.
6.31.17
